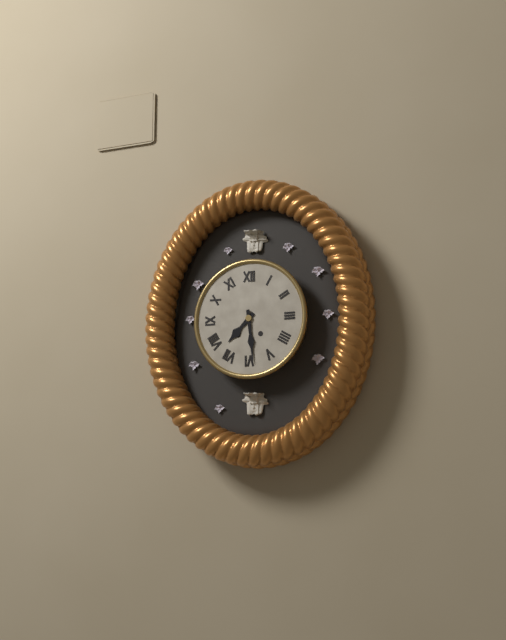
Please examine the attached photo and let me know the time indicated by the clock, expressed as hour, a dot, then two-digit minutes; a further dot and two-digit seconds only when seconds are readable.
7.29
